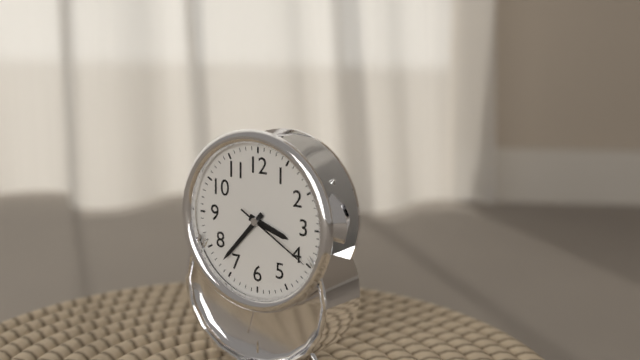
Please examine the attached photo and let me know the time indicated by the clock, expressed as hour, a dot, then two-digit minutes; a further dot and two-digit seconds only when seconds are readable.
3.37.20
